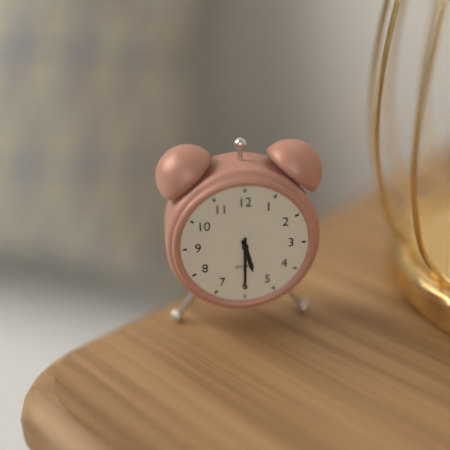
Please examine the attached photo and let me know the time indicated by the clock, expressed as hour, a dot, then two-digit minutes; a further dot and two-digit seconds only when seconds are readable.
5.30
